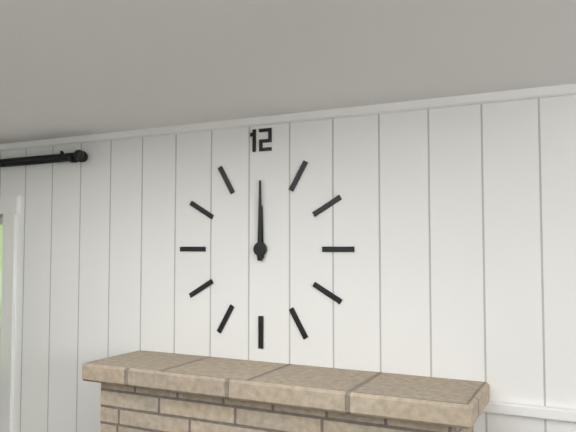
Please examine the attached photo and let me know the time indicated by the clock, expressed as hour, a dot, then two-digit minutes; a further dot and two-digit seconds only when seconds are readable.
12.00
